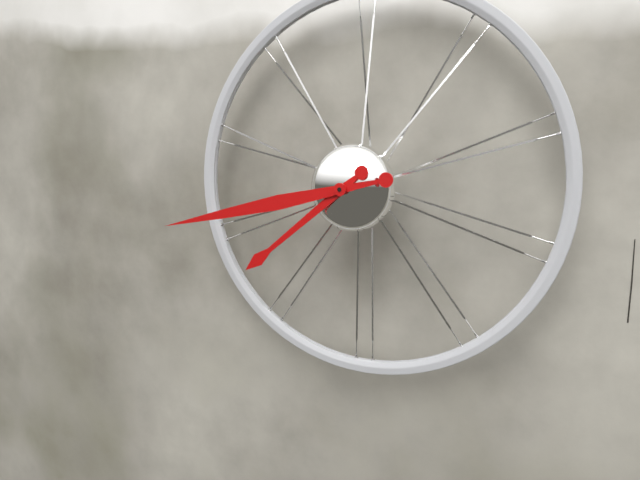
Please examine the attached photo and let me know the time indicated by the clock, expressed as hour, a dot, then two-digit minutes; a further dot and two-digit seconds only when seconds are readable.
7.43
